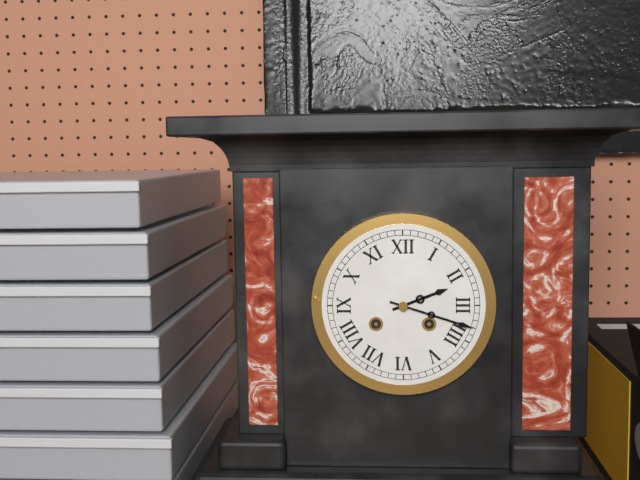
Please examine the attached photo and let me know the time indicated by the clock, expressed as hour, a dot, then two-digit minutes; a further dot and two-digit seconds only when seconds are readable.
2.18
